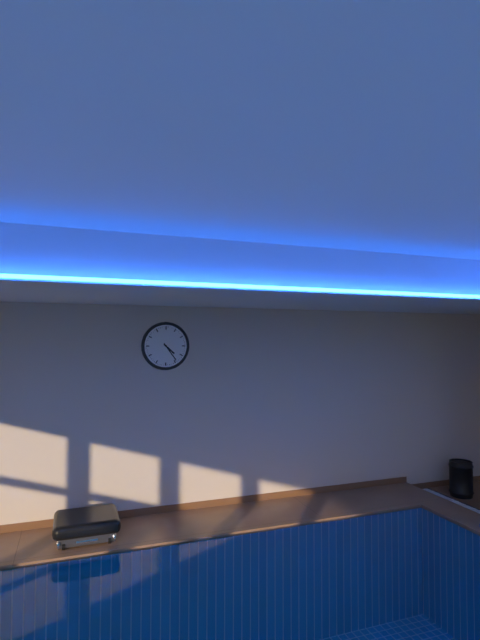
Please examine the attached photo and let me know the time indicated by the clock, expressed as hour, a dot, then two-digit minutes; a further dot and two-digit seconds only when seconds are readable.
4.24
